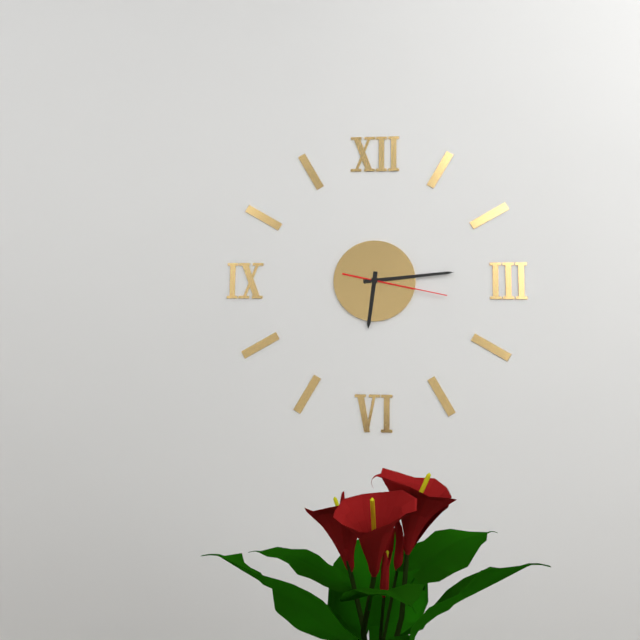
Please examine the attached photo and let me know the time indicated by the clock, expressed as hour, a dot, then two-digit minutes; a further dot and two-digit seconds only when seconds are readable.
6.14.17
